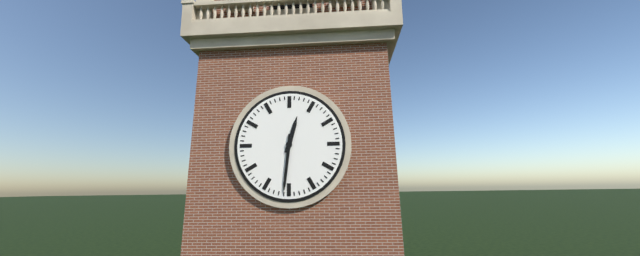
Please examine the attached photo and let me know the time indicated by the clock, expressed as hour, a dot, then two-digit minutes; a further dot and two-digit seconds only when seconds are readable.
12.31
